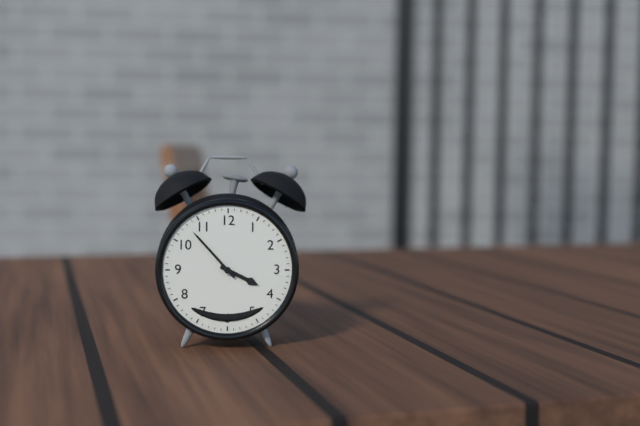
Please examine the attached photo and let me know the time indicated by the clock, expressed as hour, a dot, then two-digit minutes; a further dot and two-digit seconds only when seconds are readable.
3.53
